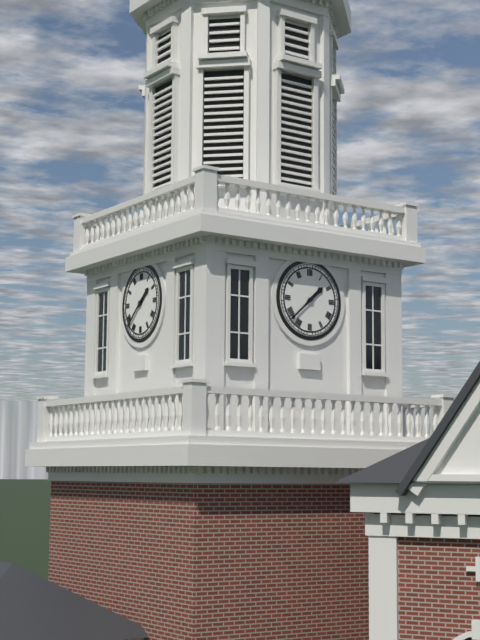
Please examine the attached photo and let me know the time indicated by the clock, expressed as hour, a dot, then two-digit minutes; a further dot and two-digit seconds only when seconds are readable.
1.38
